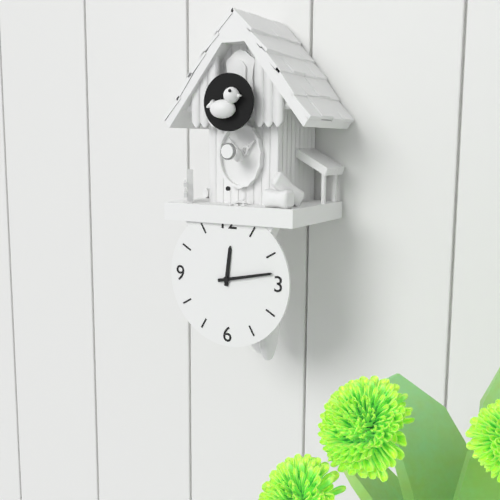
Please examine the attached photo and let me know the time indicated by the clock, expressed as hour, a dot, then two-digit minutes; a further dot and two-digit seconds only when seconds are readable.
12.13
